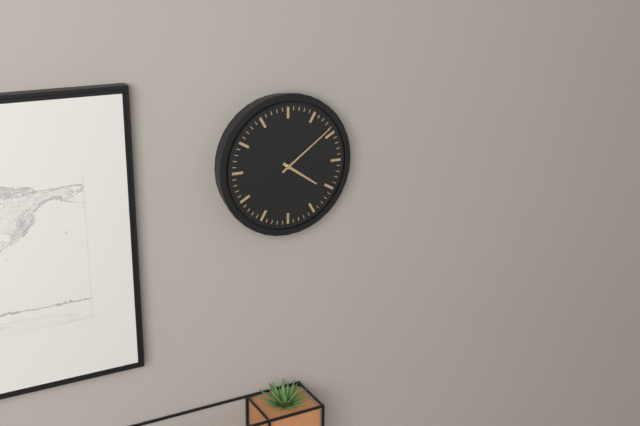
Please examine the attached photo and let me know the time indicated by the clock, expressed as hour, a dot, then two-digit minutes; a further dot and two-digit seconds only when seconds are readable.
4.09
